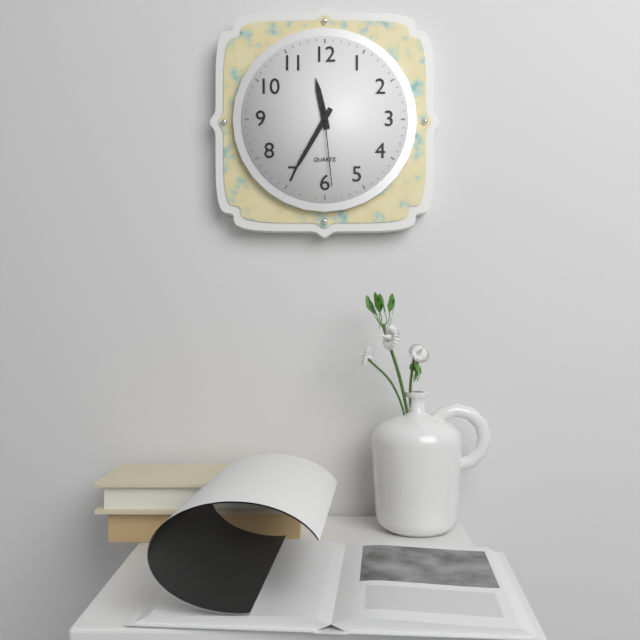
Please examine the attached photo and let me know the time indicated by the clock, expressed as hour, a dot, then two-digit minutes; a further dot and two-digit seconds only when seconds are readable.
11.35.29
